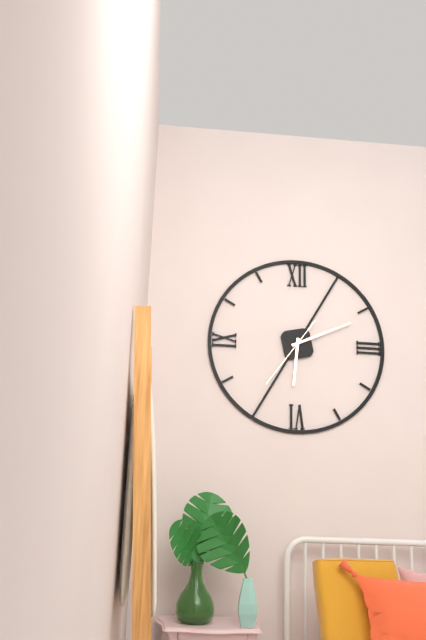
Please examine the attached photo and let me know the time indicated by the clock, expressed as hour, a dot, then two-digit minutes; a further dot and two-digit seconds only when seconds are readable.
6.11.36
